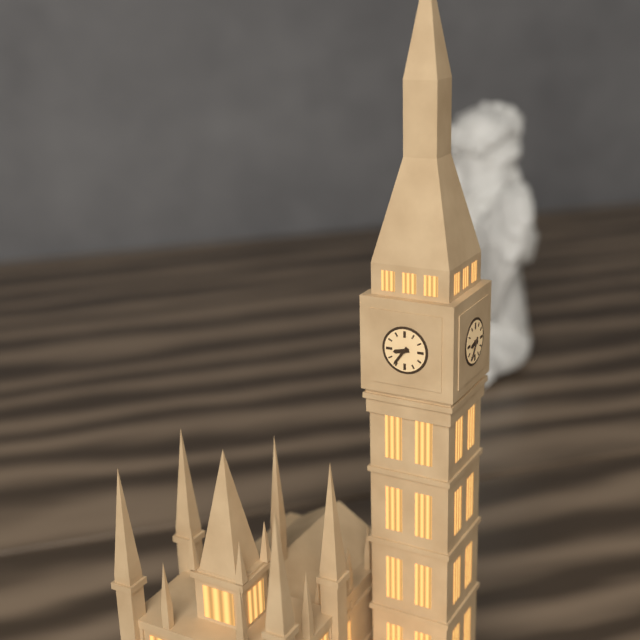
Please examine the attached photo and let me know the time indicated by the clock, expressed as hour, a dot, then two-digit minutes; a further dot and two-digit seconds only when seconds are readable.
8.36
